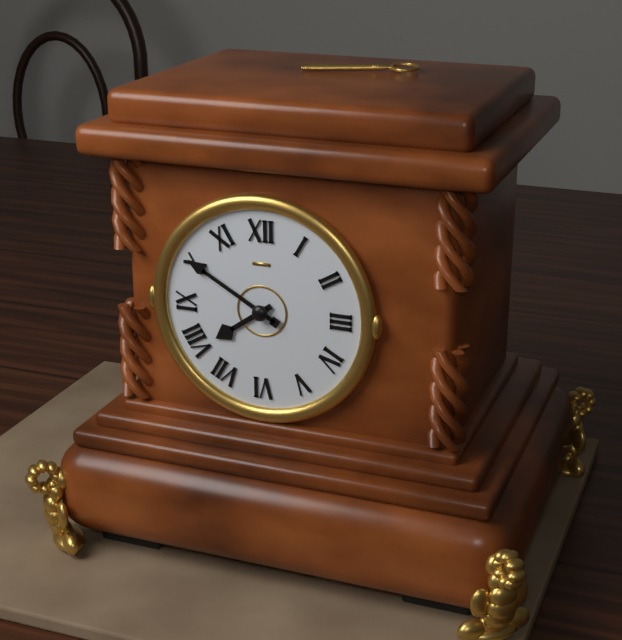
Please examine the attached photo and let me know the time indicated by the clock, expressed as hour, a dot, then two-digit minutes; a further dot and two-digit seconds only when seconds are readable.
7.50
